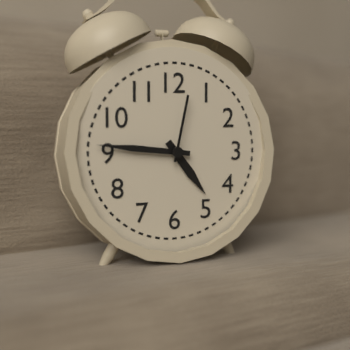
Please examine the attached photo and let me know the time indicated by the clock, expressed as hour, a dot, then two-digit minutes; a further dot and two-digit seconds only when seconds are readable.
4.46.02
